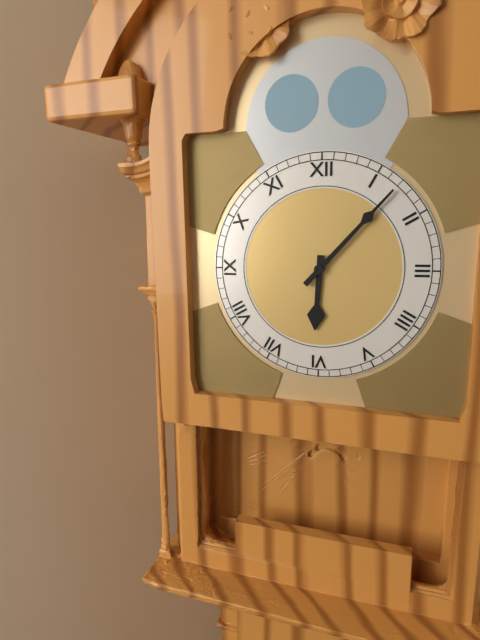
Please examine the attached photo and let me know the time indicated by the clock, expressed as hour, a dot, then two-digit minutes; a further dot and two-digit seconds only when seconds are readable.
6.07
